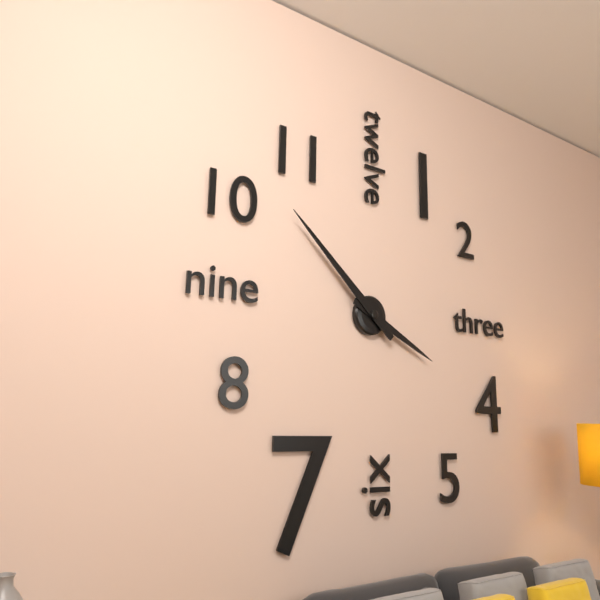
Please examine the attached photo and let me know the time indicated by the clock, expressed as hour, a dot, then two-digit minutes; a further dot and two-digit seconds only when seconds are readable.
3.52
